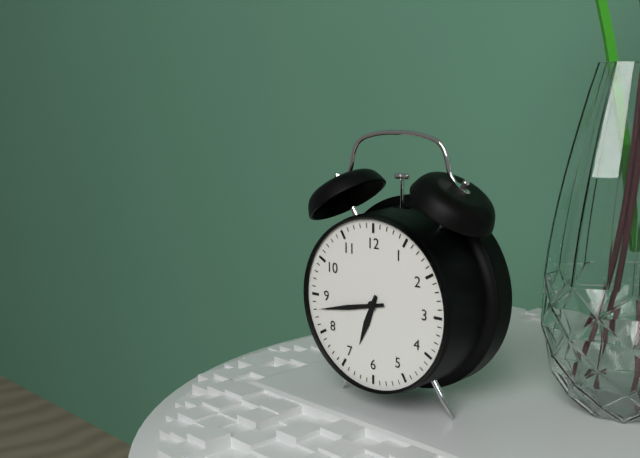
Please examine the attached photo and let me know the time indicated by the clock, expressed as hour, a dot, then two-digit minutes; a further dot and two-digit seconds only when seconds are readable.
6.43
